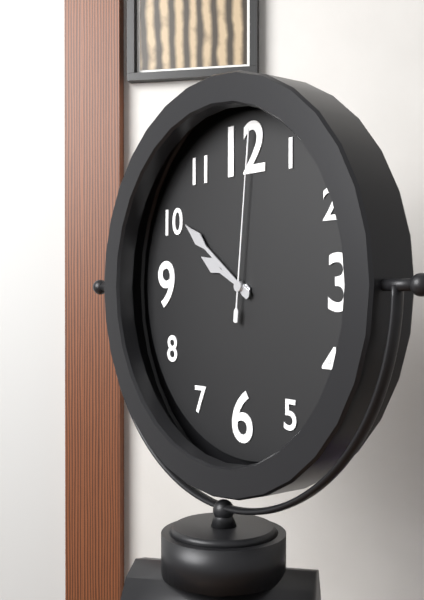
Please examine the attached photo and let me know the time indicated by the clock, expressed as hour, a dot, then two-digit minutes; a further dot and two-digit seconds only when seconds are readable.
9.51.01
